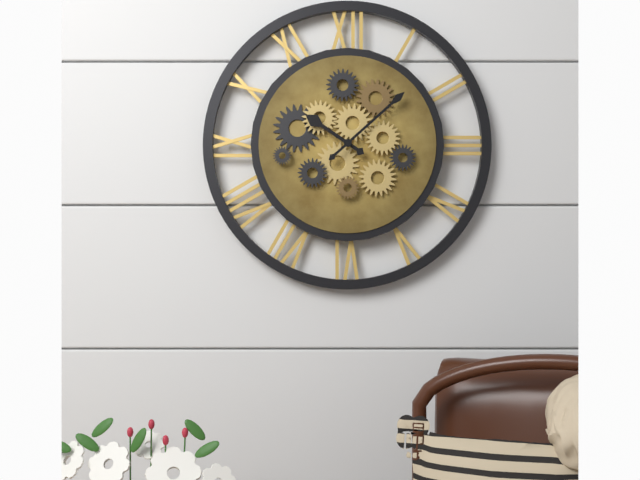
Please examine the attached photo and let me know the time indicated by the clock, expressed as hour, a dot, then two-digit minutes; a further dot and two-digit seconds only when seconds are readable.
10.08
